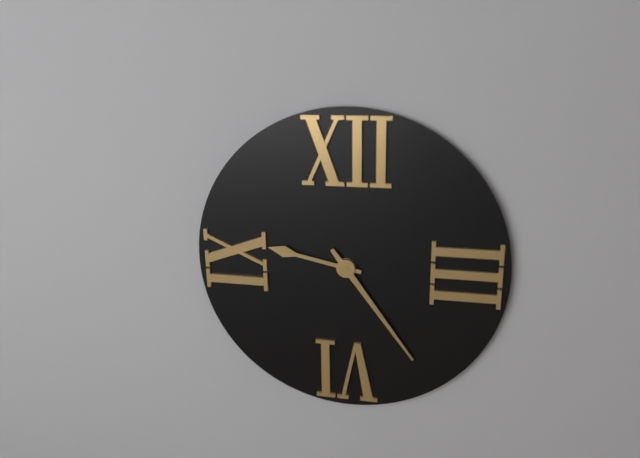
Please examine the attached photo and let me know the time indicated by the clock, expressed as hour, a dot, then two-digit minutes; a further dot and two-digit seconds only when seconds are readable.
9.24
